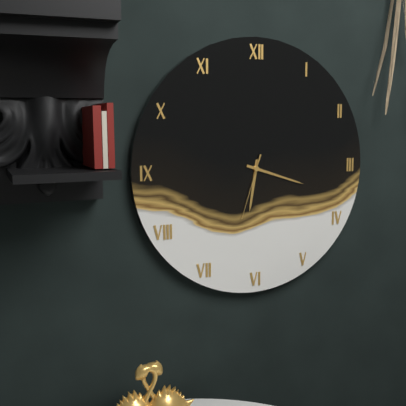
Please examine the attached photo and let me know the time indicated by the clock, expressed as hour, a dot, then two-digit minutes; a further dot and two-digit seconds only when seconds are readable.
6.18.33
